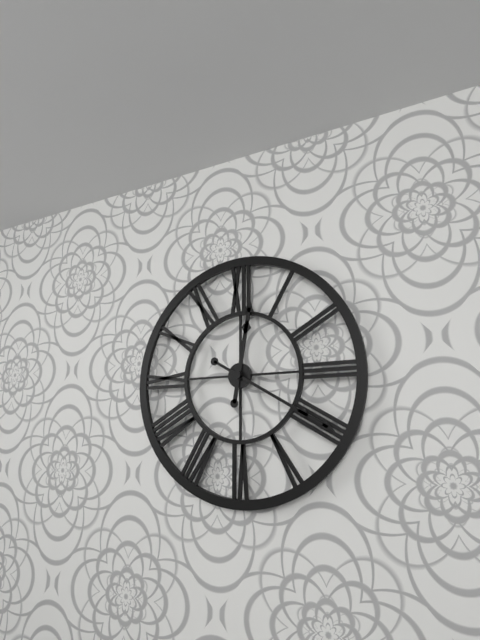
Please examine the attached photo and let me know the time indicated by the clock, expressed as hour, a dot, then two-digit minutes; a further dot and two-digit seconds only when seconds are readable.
12.20
